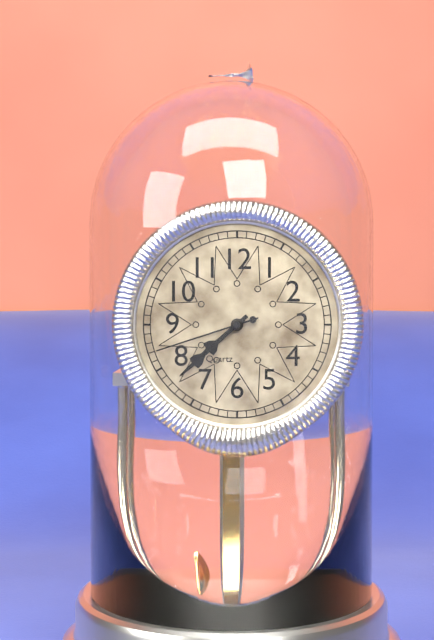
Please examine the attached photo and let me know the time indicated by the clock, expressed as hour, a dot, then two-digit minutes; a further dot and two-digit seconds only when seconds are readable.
7.38.42
